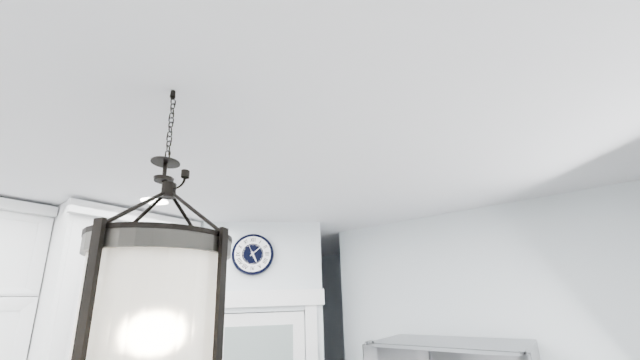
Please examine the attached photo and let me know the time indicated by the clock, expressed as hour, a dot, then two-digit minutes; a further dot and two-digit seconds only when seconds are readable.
5.08
